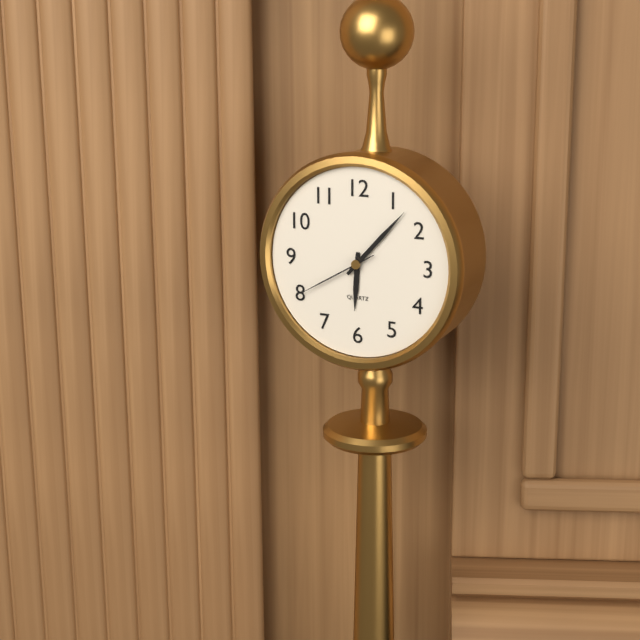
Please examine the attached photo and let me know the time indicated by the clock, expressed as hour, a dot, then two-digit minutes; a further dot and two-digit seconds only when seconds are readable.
6.07.40
